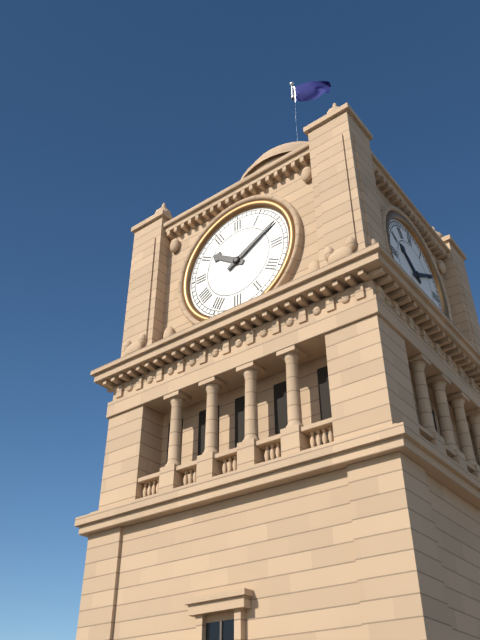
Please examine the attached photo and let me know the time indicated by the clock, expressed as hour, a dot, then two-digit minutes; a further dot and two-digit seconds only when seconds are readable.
10.10
